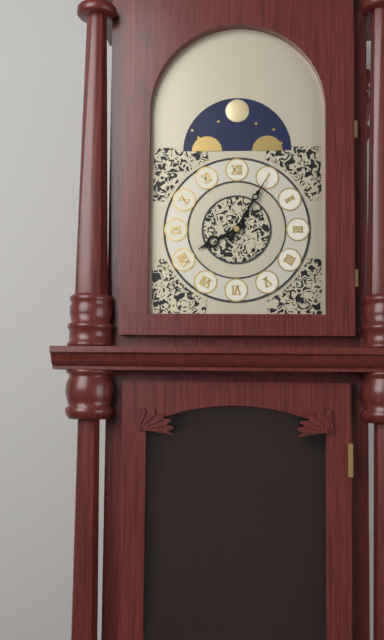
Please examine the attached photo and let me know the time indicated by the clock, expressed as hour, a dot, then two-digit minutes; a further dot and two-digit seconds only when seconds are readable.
8.05
